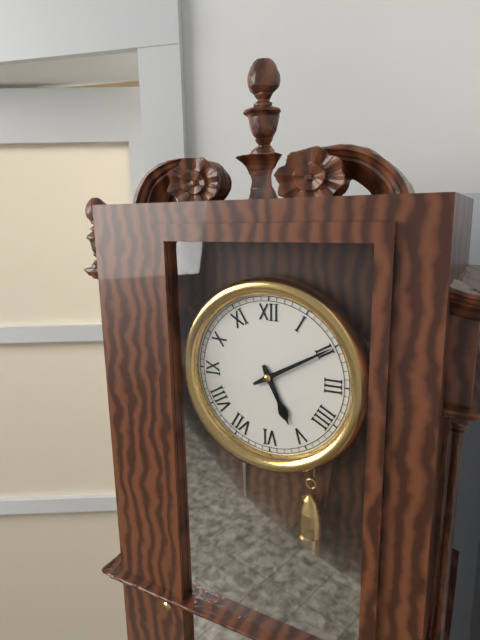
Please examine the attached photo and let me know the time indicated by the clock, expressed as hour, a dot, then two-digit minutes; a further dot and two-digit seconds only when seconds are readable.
5.10
